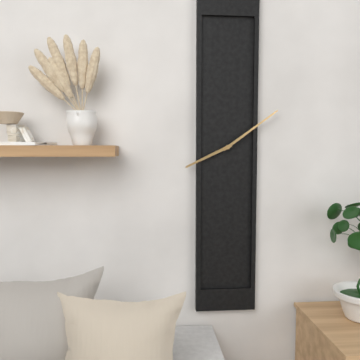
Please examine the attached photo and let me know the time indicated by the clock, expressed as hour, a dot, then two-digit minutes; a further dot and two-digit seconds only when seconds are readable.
8.09
